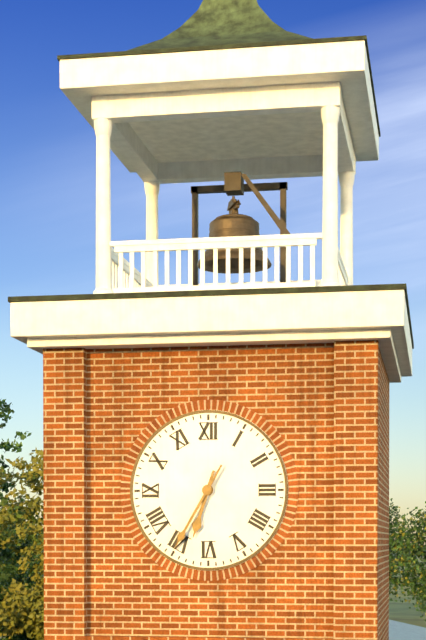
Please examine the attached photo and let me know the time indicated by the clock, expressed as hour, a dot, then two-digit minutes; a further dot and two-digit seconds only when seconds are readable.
6.35
